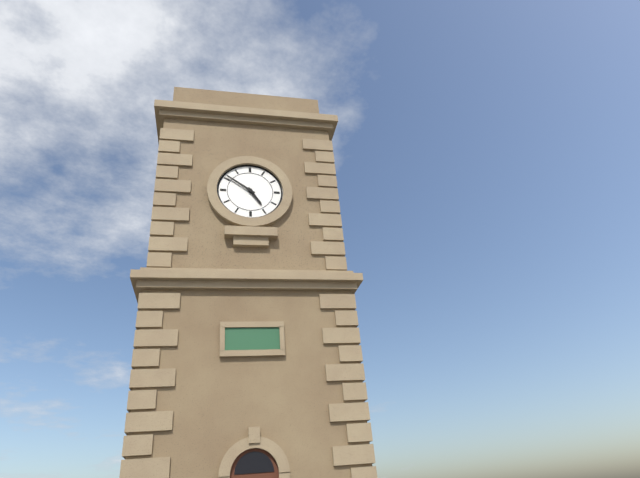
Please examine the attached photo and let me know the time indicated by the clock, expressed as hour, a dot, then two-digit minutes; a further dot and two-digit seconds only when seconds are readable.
4.51
